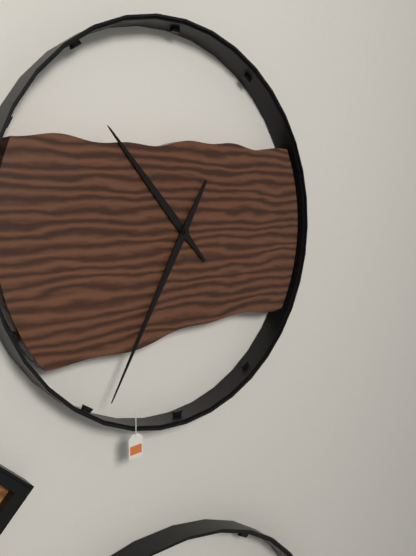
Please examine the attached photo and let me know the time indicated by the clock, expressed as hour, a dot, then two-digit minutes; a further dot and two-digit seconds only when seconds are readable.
10.35
